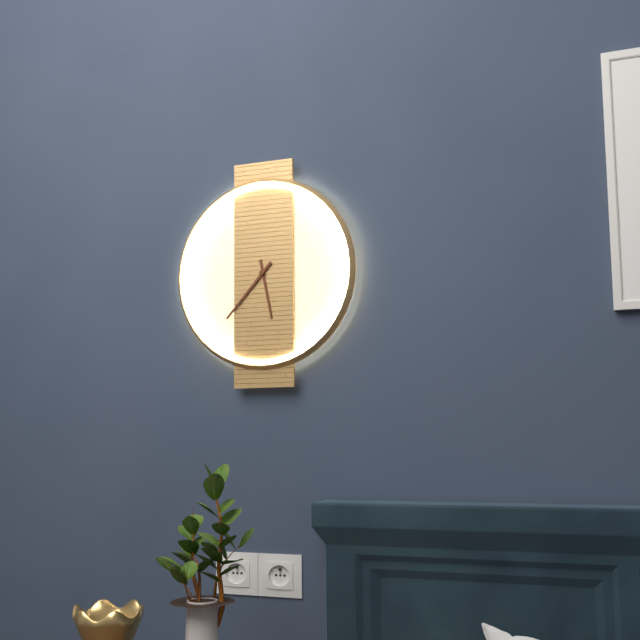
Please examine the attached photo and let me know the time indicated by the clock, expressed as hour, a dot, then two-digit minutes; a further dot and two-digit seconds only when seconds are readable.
5.37
